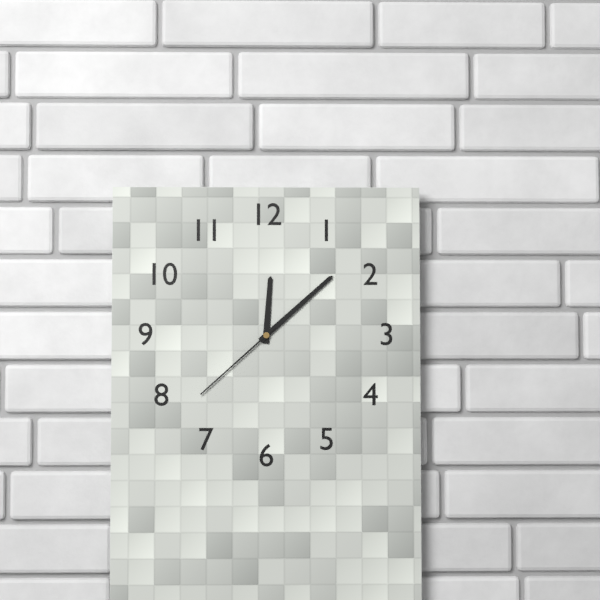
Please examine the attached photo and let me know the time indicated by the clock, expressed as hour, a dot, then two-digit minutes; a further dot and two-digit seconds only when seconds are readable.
12.08.38
